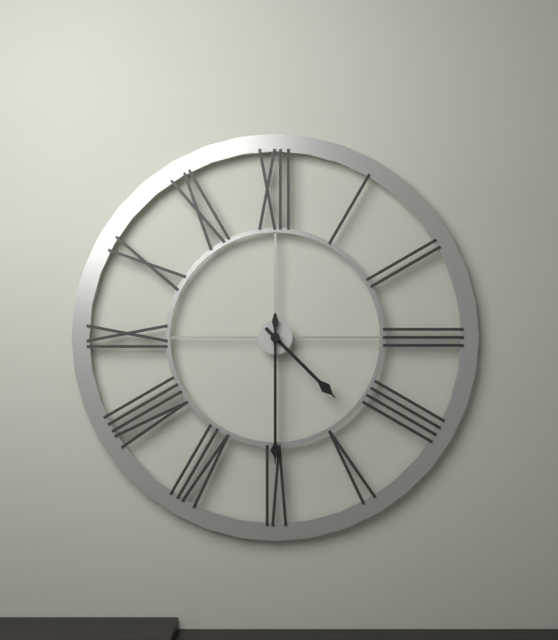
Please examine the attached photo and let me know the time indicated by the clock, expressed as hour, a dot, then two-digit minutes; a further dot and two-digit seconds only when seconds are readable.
4.30
